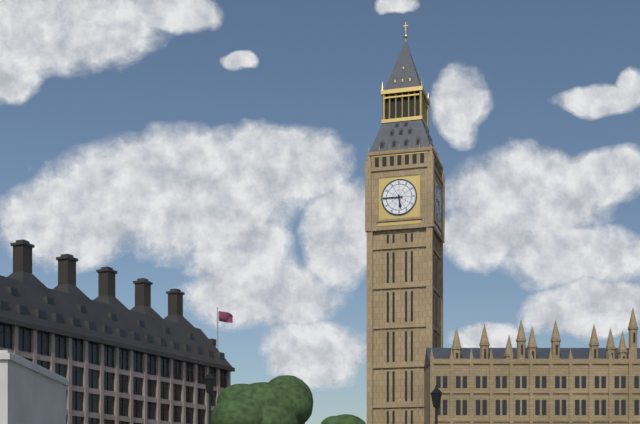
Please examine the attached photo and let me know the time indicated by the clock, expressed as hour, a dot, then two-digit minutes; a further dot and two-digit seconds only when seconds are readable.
5.45
